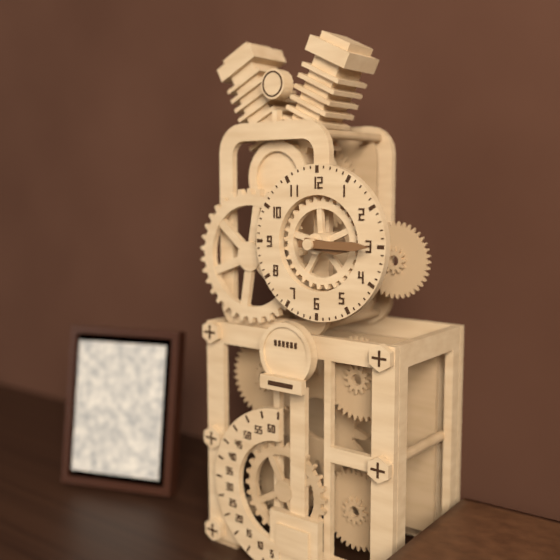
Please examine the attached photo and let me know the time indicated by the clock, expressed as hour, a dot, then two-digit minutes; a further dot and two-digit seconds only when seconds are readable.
3.15
